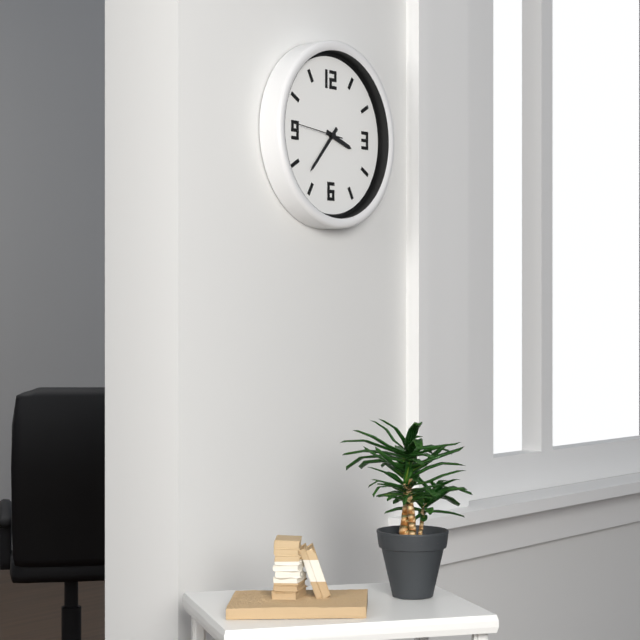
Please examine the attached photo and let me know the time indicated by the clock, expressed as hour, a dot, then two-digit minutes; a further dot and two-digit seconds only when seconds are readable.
3.37
